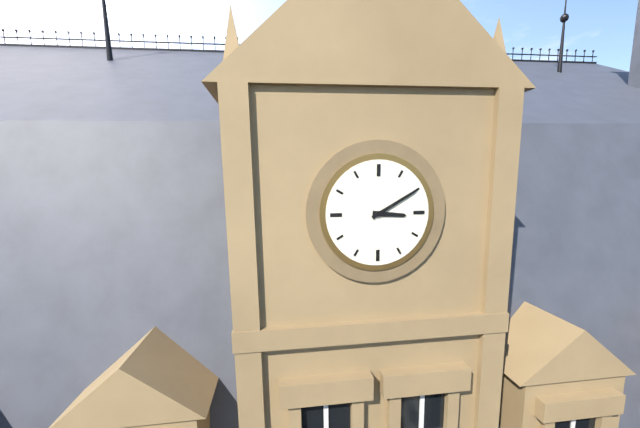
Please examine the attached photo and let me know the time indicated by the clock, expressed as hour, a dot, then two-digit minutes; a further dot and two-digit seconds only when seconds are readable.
3.10
